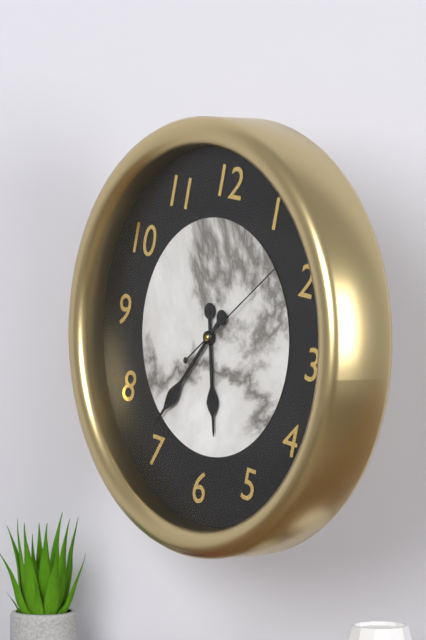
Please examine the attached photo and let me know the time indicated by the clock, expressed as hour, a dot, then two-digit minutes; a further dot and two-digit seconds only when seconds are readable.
5.36.08
